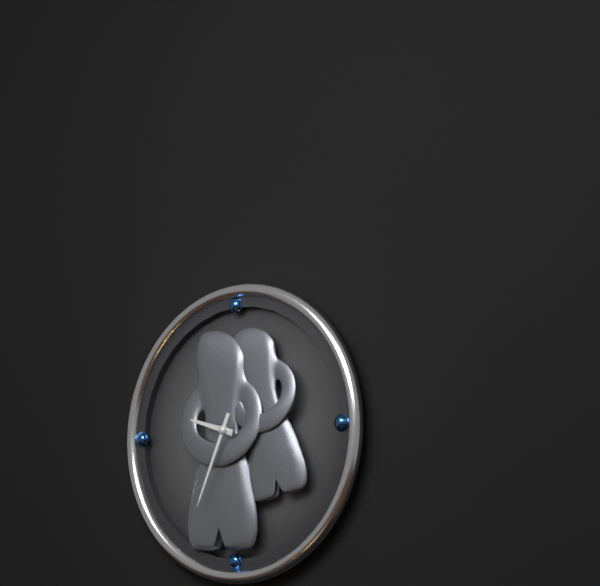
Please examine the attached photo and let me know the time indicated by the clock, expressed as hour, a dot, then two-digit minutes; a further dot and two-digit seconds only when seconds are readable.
9.34
